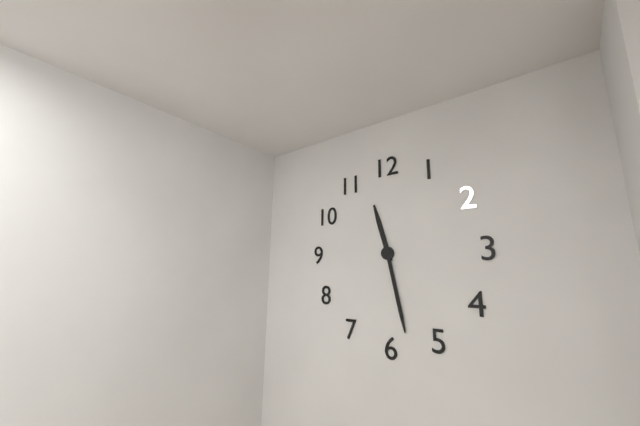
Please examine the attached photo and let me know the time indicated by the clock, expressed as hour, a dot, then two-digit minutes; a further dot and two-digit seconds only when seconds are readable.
11.28
